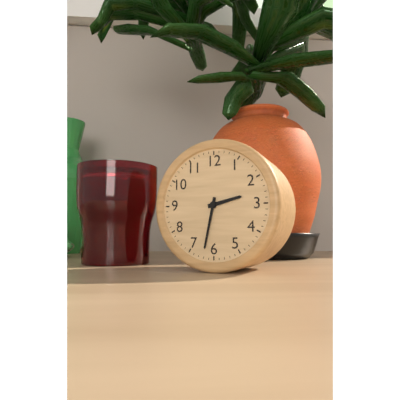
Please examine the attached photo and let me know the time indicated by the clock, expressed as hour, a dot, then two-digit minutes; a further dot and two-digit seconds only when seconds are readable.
2.32
